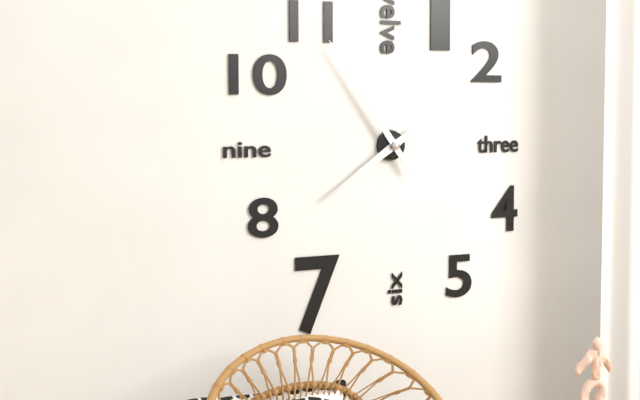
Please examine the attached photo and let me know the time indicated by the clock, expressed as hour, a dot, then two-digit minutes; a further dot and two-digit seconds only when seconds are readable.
7.54
